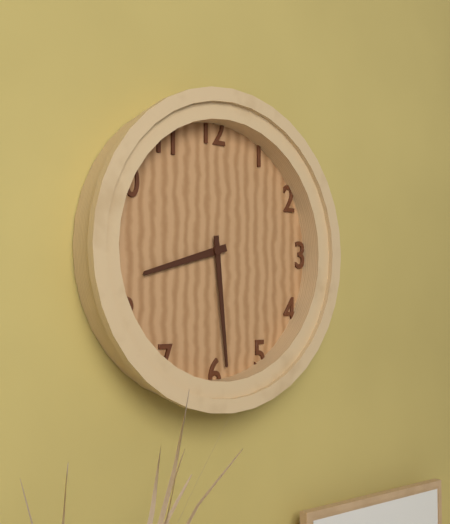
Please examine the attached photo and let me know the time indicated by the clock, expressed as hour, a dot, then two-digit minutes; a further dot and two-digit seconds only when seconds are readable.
8.29
